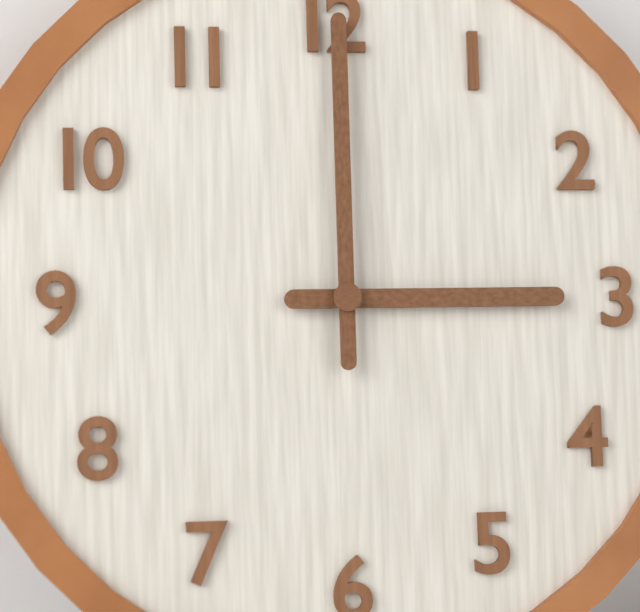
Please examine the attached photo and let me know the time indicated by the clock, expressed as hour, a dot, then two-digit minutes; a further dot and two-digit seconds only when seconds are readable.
3.00
